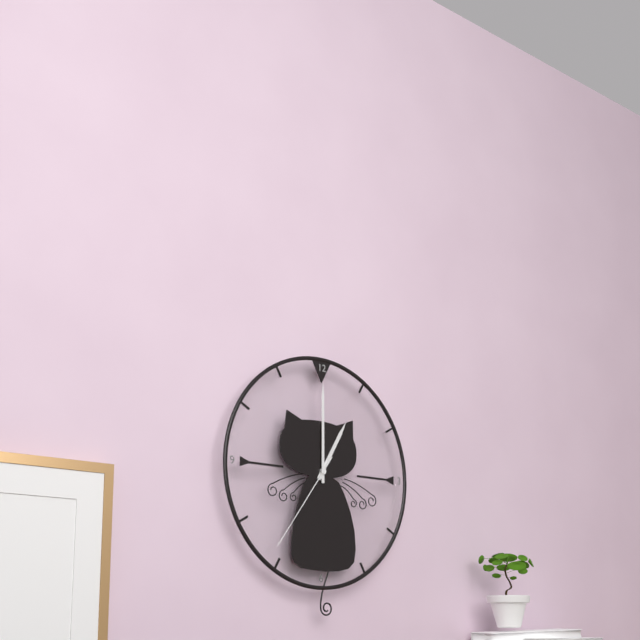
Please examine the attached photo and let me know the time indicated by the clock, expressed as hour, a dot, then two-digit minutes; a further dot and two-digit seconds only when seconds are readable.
1.00.36
